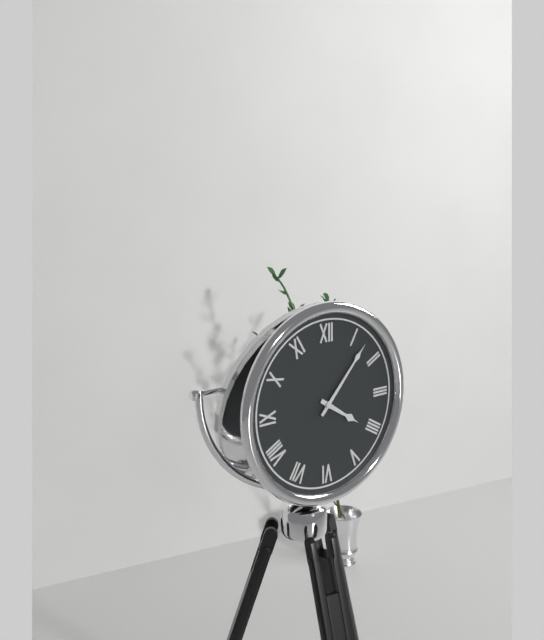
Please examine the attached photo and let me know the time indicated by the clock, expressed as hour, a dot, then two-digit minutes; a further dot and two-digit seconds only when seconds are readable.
4.07
